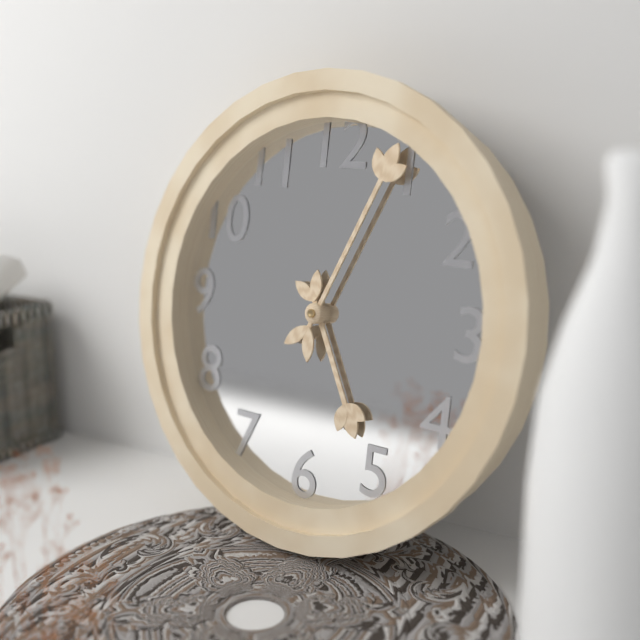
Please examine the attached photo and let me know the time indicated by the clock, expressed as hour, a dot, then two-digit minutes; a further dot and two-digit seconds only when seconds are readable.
5.04
